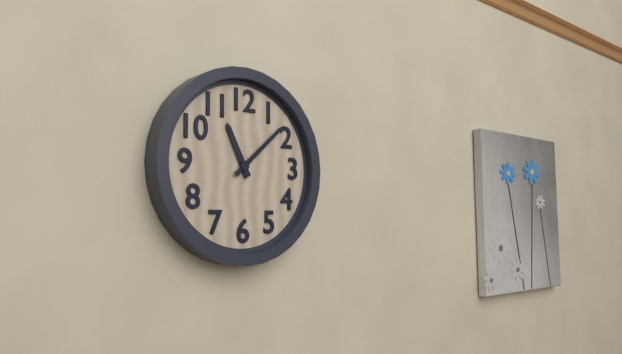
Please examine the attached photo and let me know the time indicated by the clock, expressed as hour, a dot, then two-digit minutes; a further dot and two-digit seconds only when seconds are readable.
11.08
